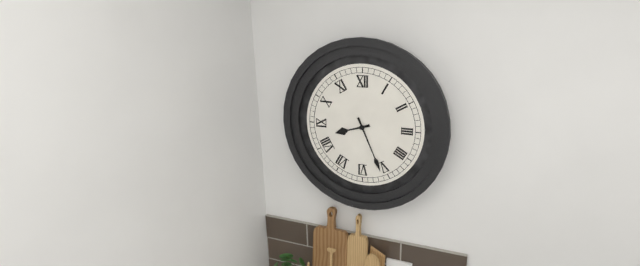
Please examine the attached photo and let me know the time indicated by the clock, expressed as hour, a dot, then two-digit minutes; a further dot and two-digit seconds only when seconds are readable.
8.26
